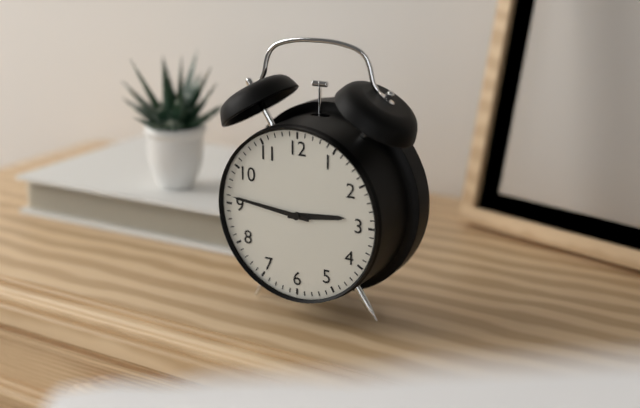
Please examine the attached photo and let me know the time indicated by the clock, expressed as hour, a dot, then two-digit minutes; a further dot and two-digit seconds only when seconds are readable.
2.46
